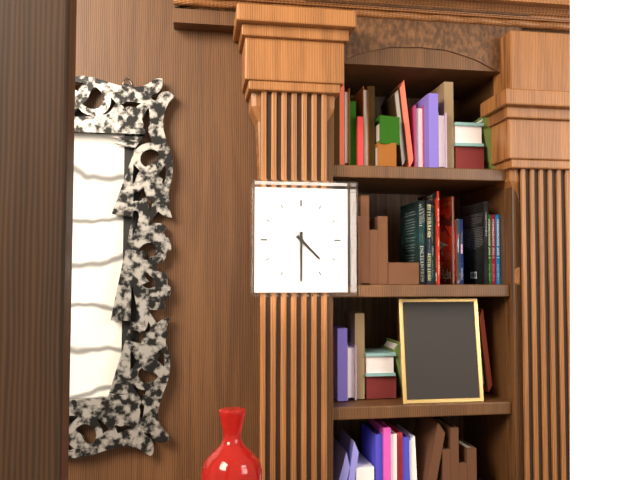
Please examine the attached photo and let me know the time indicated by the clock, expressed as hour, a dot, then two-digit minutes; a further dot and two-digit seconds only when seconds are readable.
4.30
